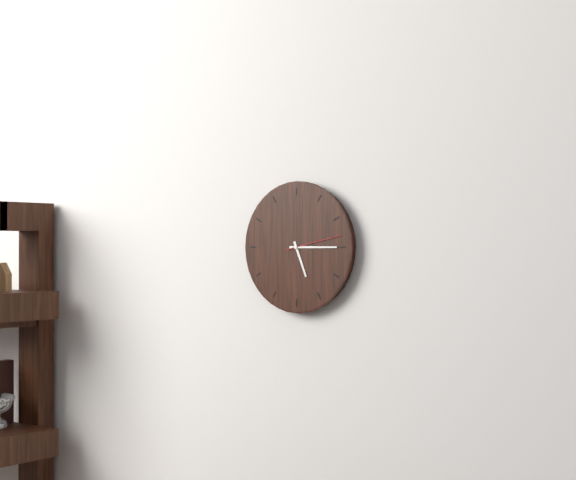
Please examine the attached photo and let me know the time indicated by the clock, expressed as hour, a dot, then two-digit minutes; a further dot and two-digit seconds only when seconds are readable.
5.15.13
